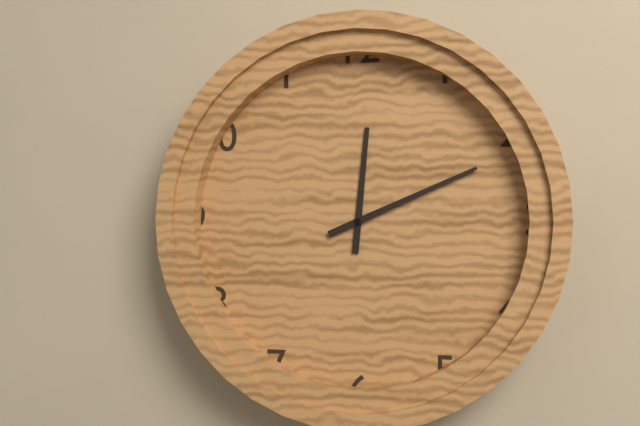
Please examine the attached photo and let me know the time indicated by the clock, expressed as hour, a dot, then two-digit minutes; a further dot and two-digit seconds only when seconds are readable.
12.11
